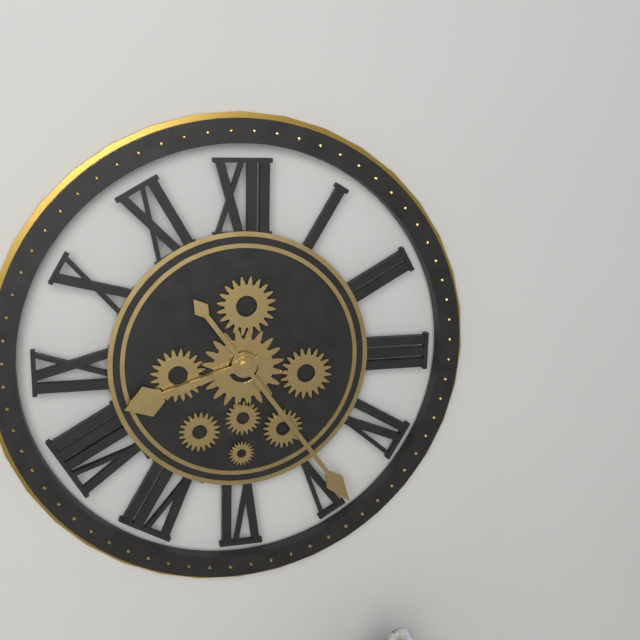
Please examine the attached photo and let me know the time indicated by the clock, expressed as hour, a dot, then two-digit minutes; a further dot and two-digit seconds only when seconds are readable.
8.24
